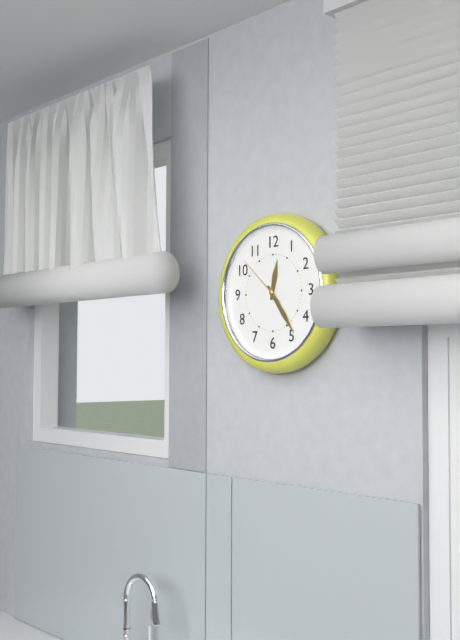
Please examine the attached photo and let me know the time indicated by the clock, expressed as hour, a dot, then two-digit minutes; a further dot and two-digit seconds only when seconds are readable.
12.24.52
